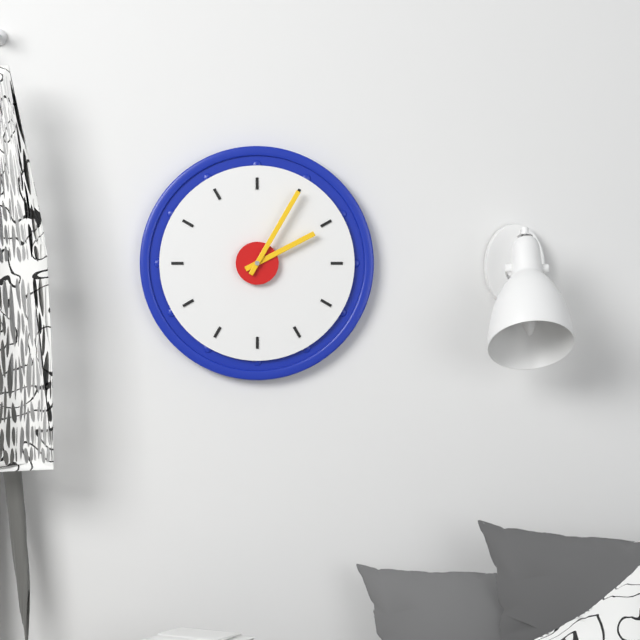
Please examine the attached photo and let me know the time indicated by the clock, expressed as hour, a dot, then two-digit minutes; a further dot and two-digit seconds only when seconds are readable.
2.05
